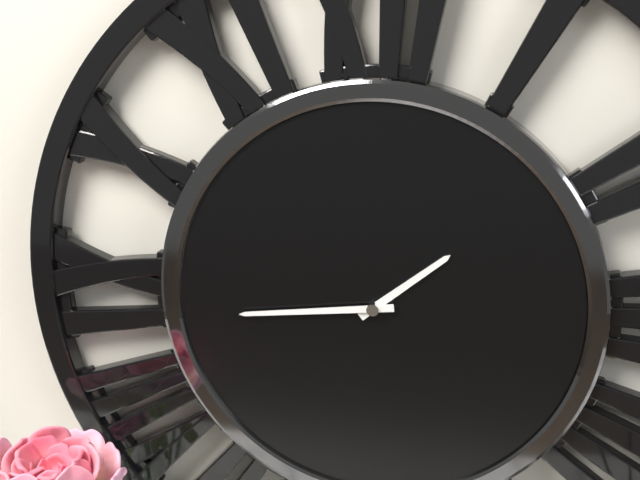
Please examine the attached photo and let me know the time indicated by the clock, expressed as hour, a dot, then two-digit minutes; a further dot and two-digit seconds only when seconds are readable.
1.44
